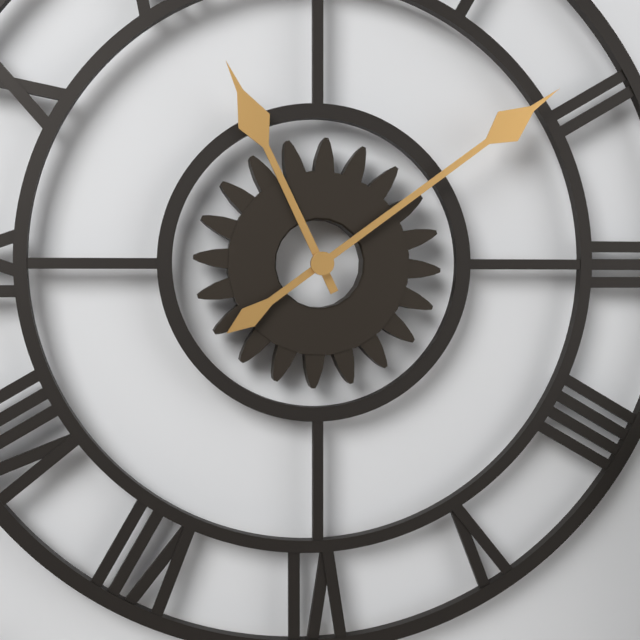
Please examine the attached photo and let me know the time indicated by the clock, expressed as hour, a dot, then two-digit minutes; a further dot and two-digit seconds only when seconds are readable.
11.09
